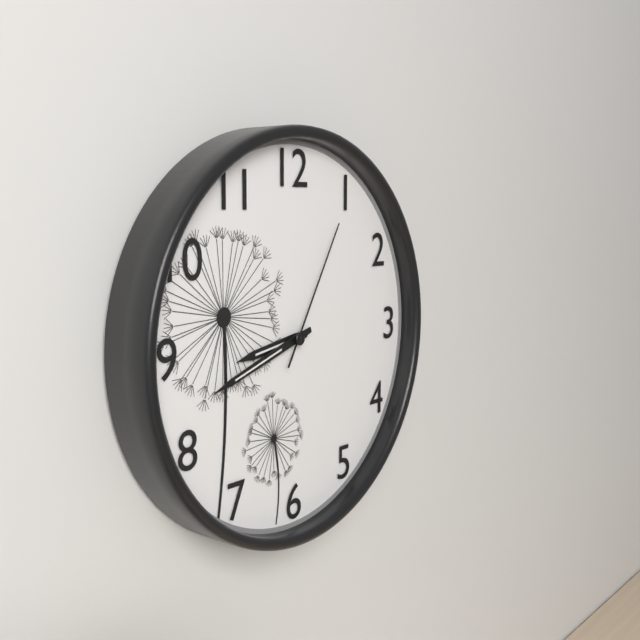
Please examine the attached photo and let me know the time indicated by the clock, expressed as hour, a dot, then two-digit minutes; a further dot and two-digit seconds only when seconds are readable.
8.42.05
